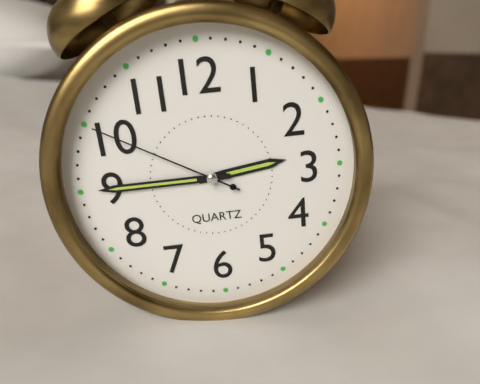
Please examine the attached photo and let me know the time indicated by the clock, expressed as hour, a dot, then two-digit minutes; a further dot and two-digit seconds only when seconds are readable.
2.45.50
